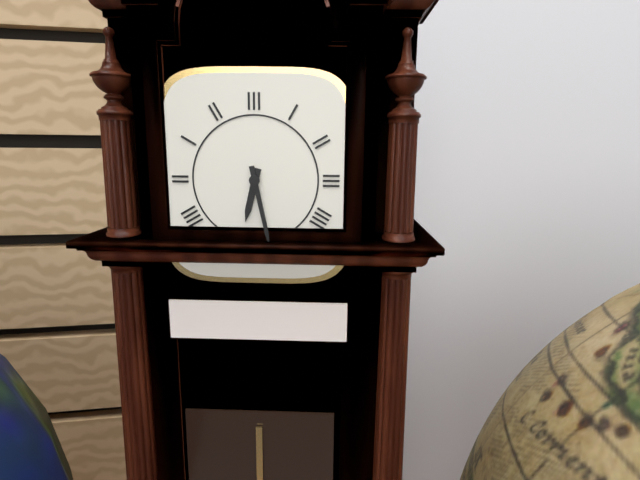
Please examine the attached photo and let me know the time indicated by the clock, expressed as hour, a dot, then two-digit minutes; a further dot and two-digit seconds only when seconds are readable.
6.28
